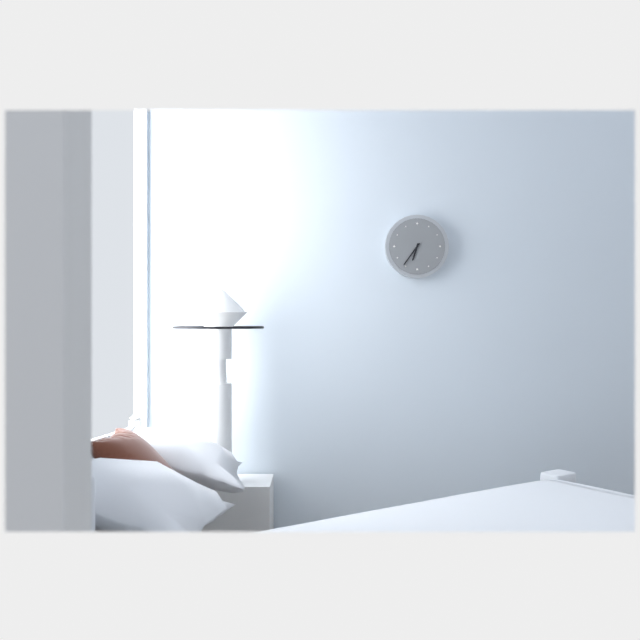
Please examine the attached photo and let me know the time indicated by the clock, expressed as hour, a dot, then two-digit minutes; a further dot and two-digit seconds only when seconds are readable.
6.36
